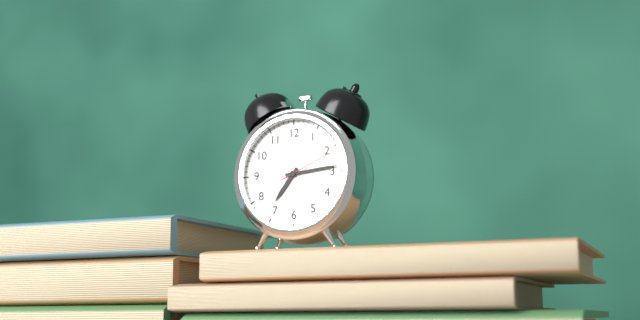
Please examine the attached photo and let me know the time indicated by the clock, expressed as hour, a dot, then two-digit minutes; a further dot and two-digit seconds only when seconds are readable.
7.14.11
